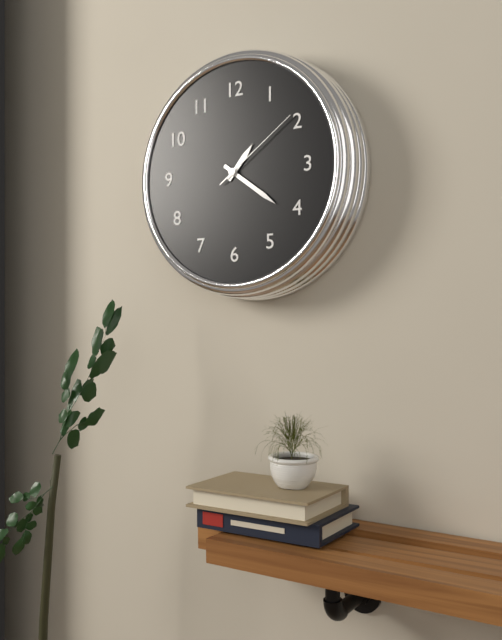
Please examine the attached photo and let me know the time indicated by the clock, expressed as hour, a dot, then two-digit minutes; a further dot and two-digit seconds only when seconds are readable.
1.21.09
